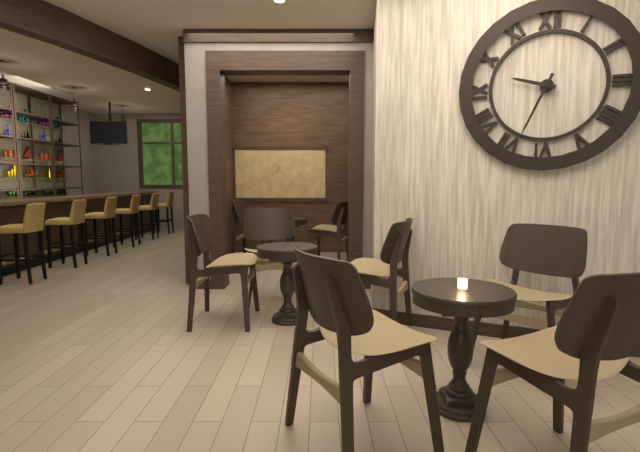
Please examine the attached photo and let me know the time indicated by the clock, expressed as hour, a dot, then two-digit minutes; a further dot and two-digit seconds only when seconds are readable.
9.34
